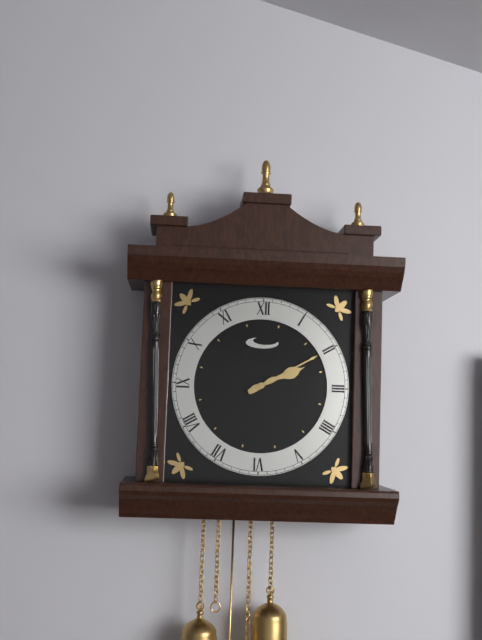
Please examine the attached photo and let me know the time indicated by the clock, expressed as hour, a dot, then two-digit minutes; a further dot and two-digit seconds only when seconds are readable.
2.10
